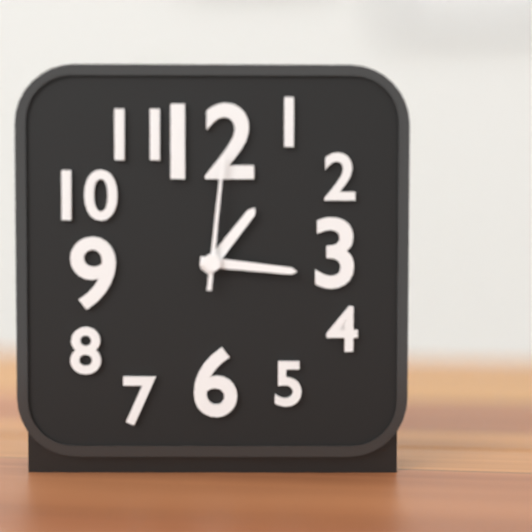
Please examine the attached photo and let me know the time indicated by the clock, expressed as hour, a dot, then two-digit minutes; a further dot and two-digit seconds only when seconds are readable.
1.16.01
